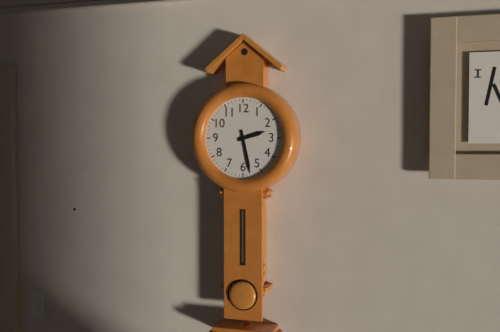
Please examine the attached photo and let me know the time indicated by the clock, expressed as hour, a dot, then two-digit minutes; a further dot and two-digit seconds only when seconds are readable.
2.28
